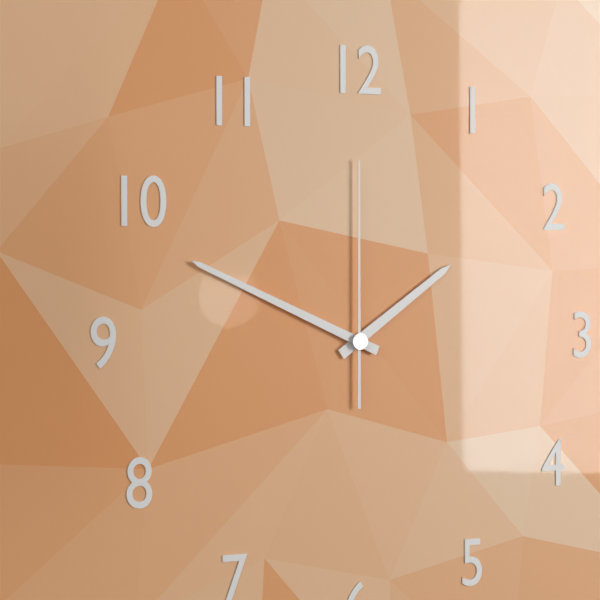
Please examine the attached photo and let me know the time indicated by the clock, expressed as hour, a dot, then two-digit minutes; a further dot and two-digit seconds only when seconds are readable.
1.49.00
